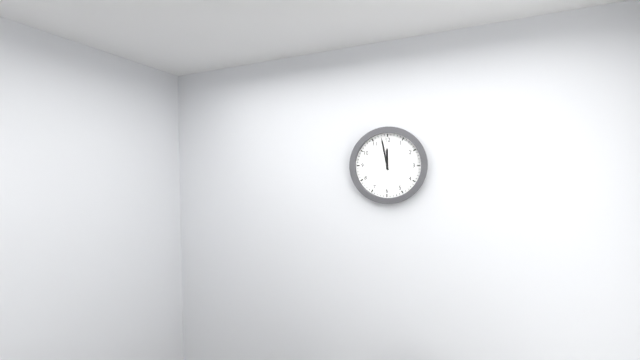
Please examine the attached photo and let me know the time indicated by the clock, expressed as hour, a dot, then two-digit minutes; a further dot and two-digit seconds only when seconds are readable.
11.58
